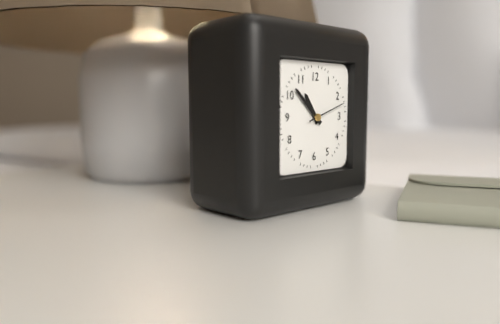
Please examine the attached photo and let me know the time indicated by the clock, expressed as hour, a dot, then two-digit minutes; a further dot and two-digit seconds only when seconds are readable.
10.52
